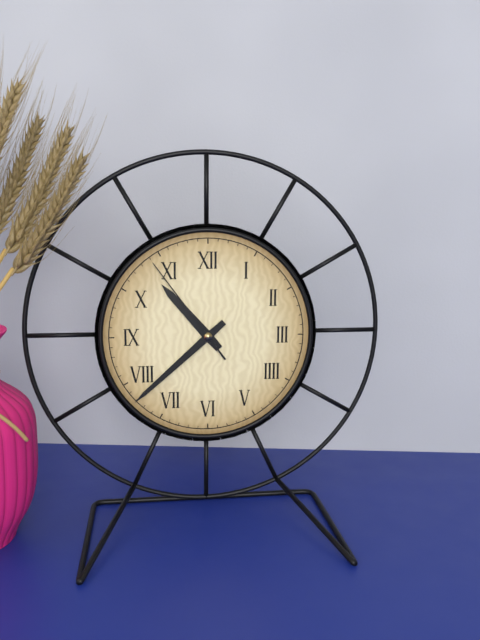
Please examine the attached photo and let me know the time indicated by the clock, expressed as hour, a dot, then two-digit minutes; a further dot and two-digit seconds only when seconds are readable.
10.38.54
